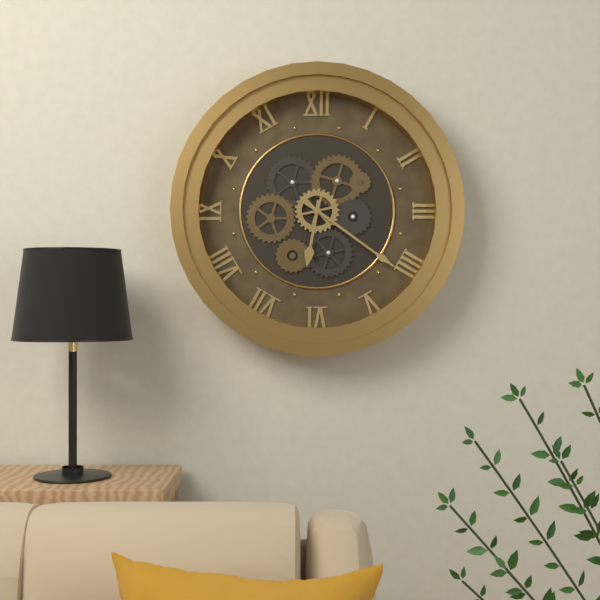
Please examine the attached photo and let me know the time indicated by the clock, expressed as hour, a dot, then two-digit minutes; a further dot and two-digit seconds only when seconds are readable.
6.21
